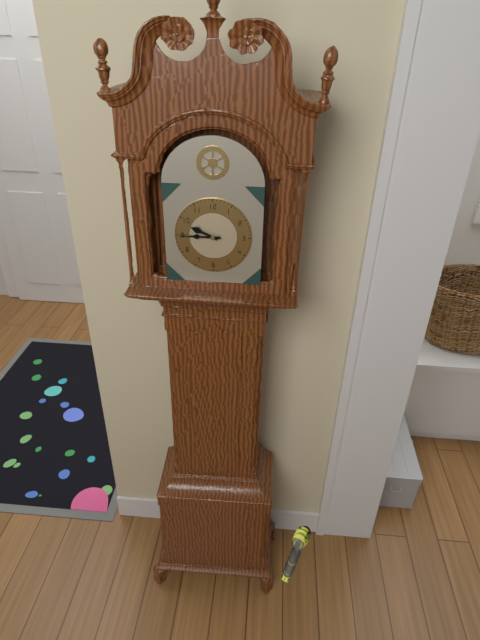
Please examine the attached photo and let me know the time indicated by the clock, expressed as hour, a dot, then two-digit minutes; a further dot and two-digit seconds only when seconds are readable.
9.45
